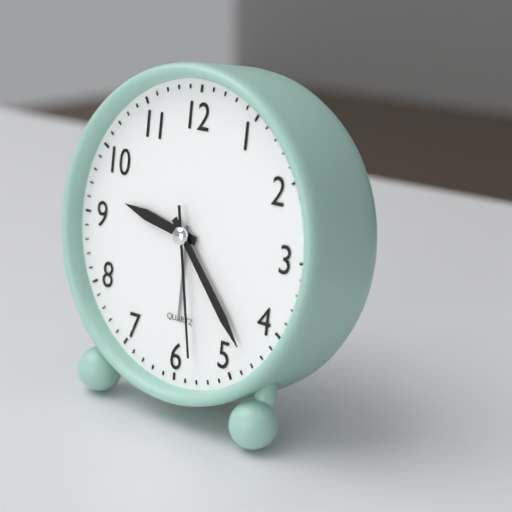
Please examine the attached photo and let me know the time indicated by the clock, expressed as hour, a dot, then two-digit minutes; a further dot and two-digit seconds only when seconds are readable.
9.23.28
